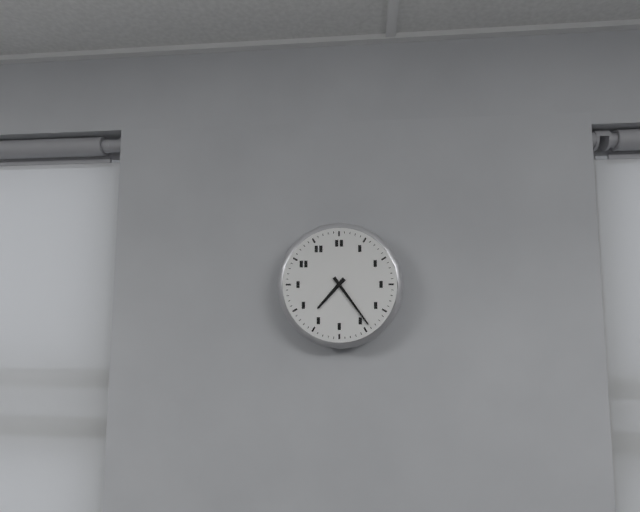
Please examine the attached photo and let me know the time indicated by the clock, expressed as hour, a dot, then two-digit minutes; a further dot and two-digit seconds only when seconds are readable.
7.24
